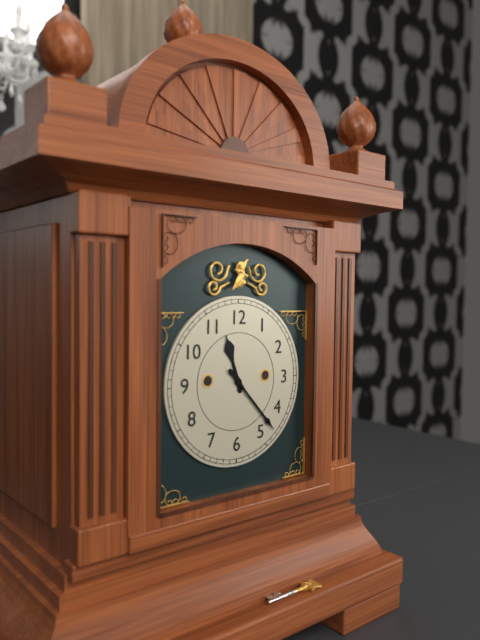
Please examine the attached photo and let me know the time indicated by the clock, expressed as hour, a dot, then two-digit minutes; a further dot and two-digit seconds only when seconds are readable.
11.23
